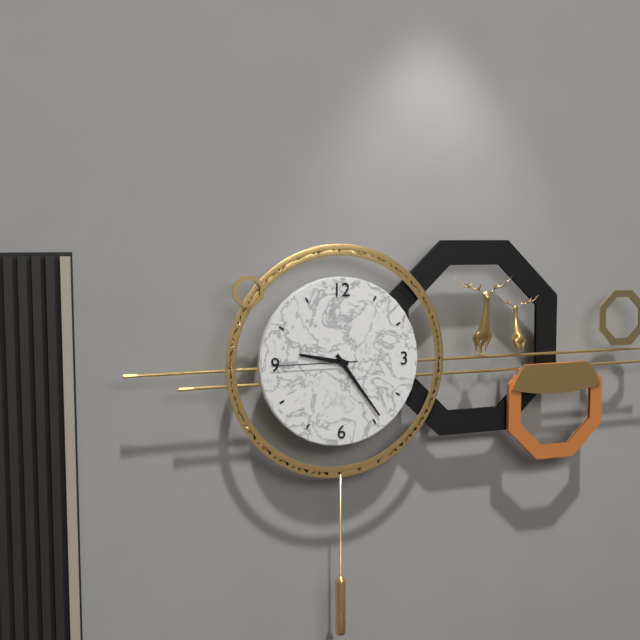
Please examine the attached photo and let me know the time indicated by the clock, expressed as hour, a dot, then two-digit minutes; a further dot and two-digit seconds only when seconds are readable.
9.24.45
